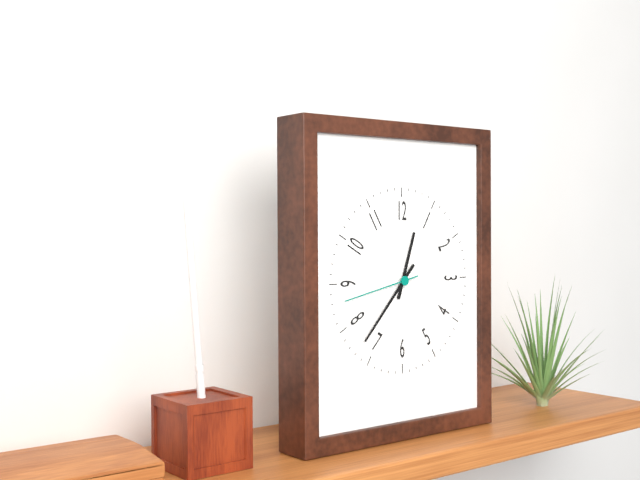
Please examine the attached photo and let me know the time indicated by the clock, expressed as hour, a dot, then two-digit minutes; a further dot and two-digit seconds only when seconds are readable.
12.37.43
